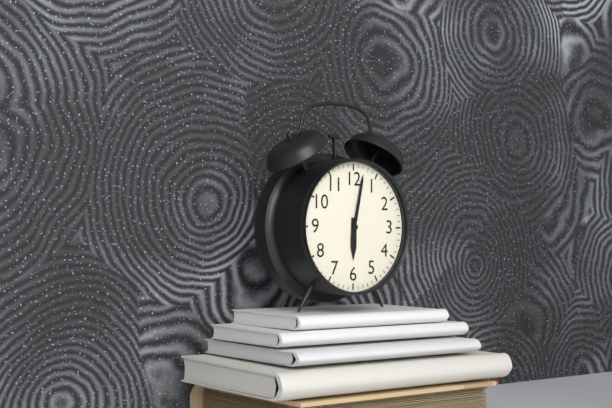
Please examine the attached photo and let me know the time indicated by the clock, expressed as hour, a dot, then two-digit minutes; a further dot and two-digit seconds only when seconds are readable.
6.02
